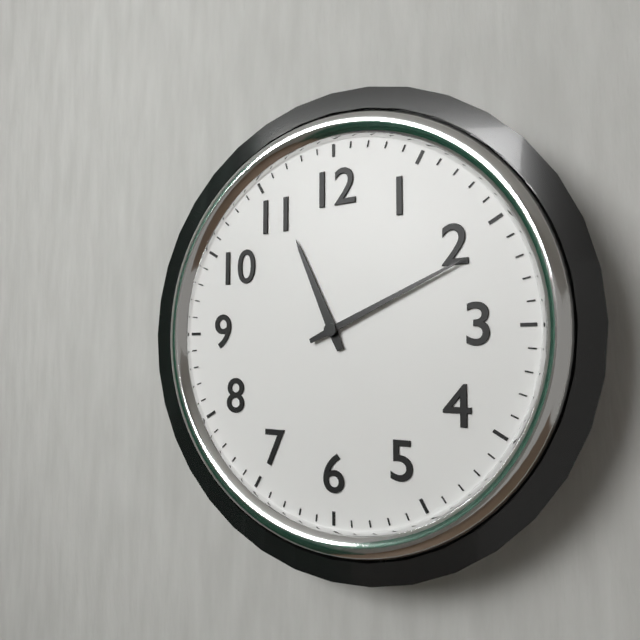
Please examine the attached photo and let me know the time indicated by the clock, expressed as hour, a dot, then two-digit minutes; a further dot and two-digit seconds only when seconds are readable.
11.11
